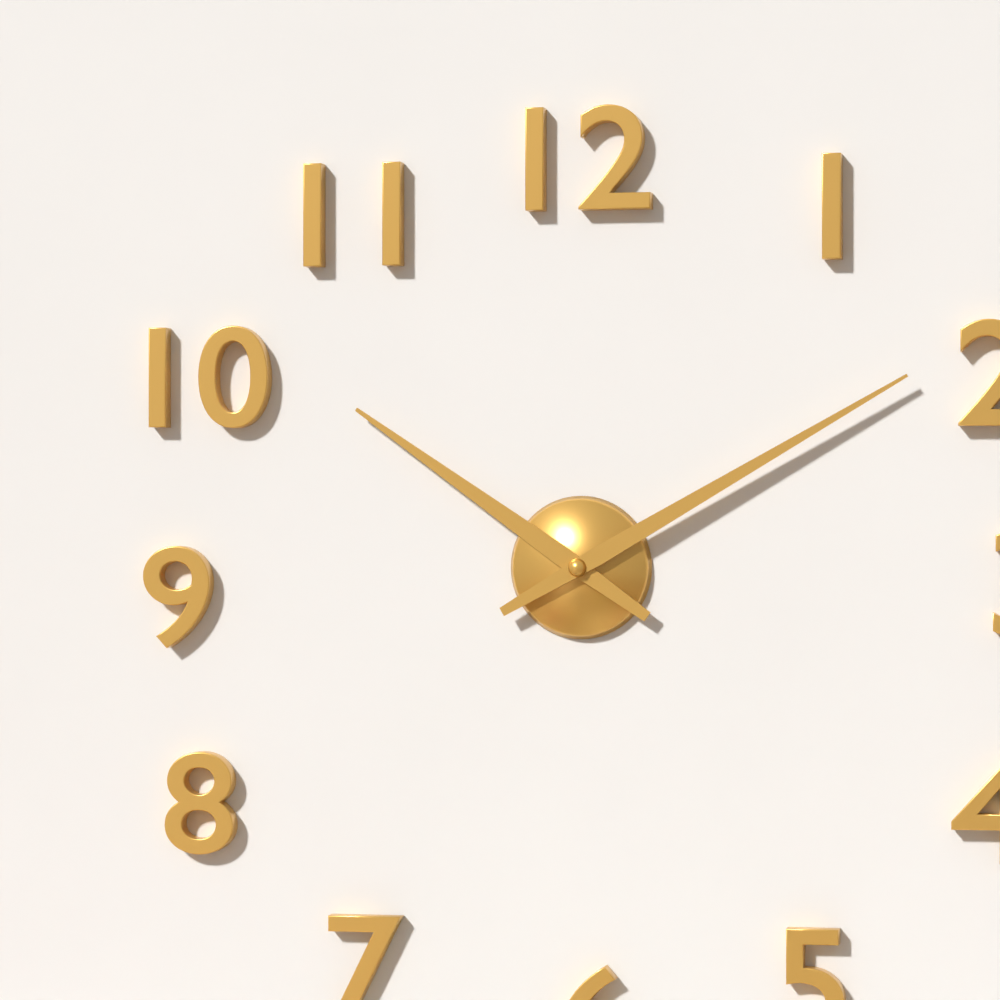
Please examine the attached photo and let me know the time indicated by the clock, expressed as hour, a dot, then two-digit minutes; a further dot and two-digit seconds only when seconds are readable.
10.10
